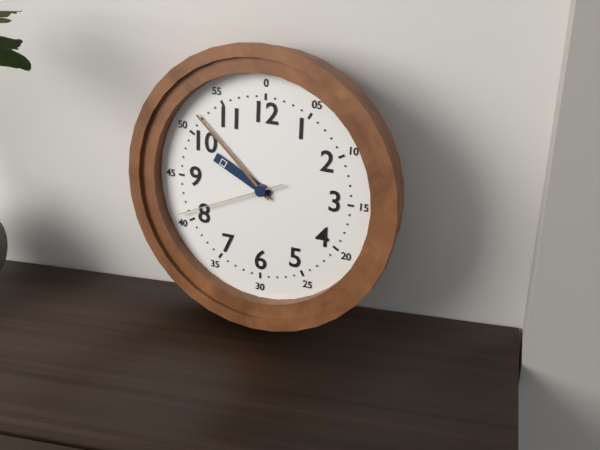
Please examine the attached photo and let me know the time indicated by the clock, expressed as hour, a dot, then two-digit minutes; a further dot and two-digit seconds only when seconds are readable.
9.52.41
